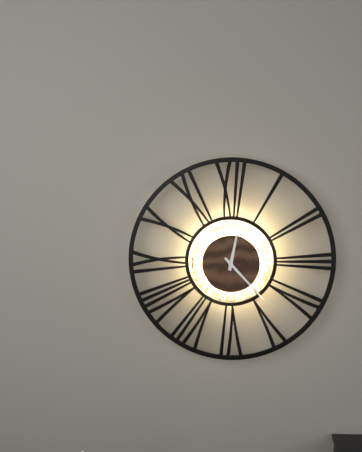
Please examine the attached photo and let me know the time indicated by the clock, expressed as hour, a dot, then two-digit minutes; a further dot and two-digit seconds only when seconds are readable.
12.23
